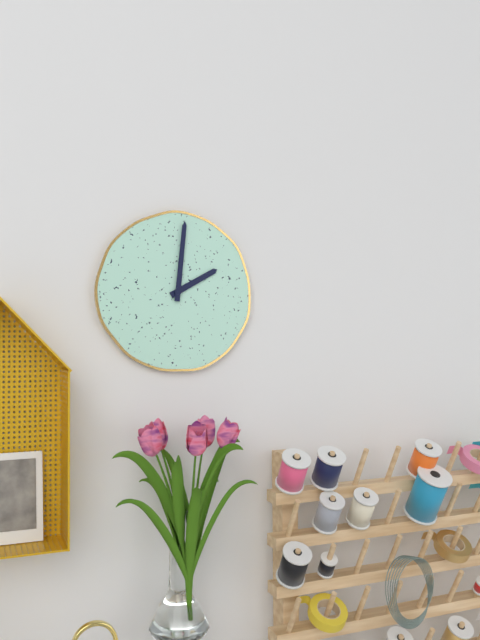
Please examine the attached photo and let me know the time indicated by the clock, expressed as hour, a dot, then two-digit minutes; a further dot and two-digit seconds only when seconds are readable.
2.01
